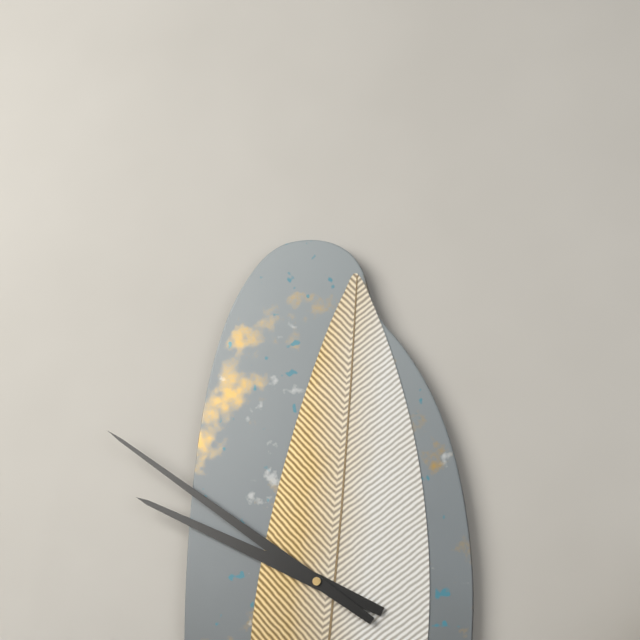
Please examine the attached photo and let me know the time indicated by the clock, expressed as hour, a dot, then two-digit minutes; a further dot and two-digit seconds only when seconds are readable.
9.51
